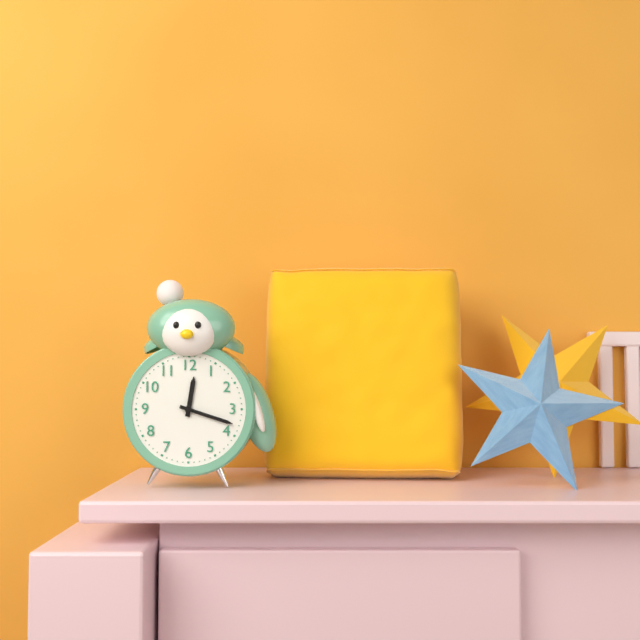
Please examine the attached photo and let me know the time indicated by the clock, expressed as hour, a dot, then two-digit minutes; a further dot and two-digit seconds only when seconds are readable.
12.18
